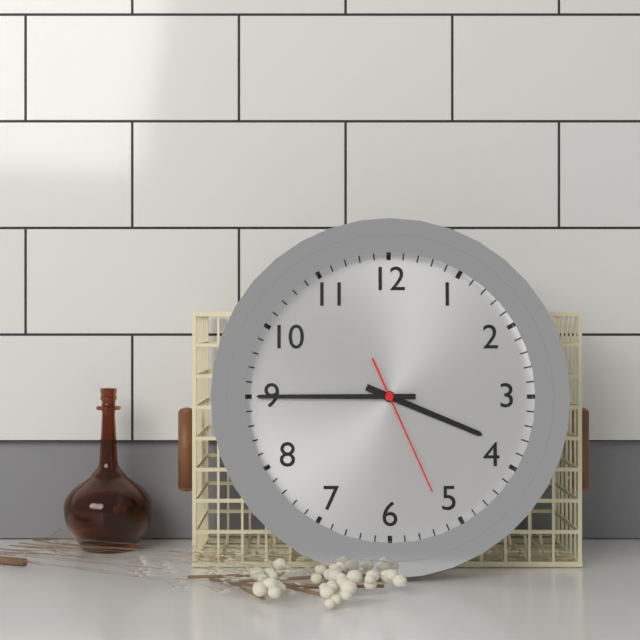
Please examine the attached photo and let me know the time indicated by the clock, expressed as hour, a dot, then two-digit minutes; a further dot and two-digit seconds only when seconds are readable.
3.45.26
